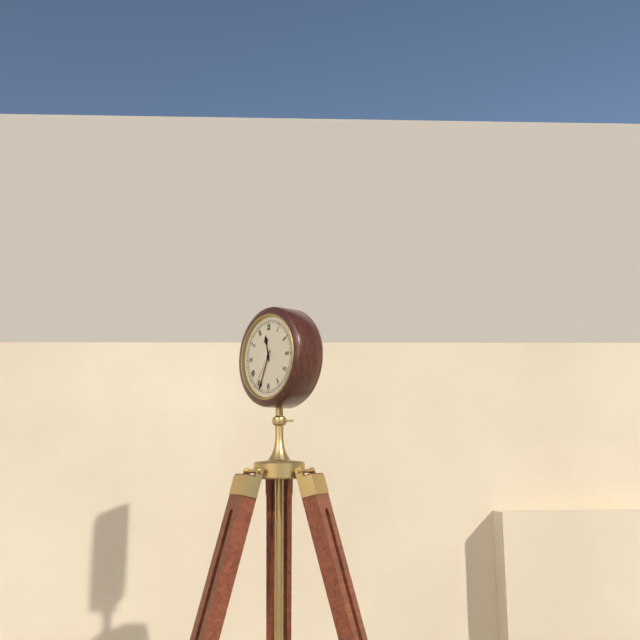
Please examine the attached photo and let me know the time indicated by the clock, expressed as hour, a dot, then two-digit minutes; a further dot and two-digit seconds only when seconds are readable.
11.34
